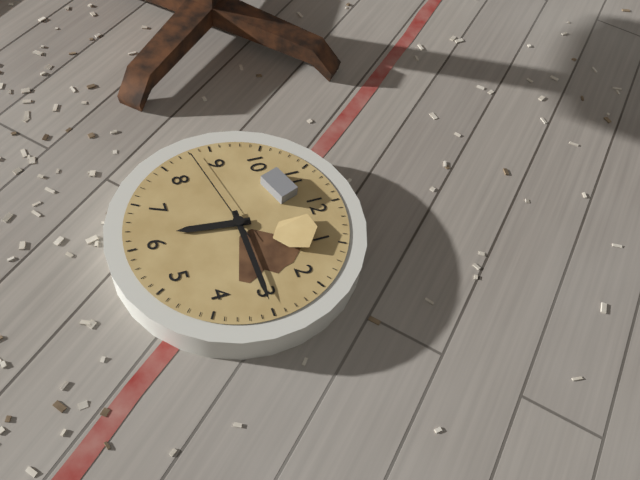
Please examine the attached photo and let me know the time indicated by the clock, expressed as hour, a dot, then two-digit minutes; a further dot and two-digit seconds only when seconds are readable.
6.15.43
